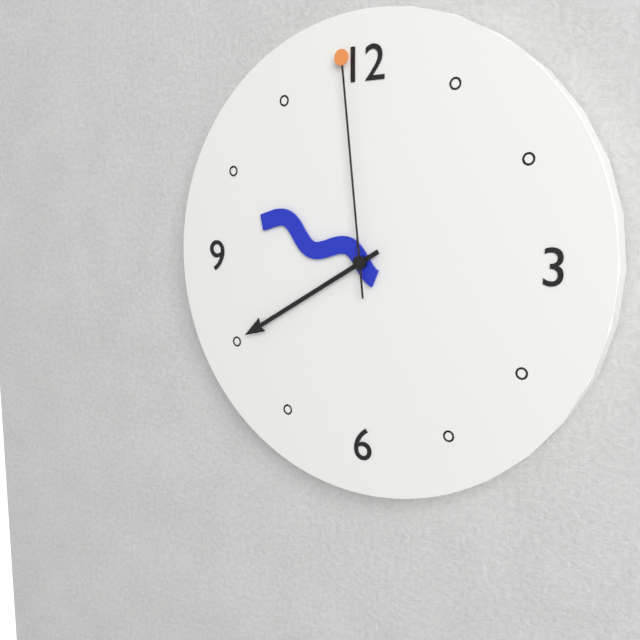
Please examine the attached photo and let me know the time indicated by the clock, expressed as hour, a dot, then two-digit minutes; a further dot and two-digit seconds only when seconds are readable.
9.40.59
